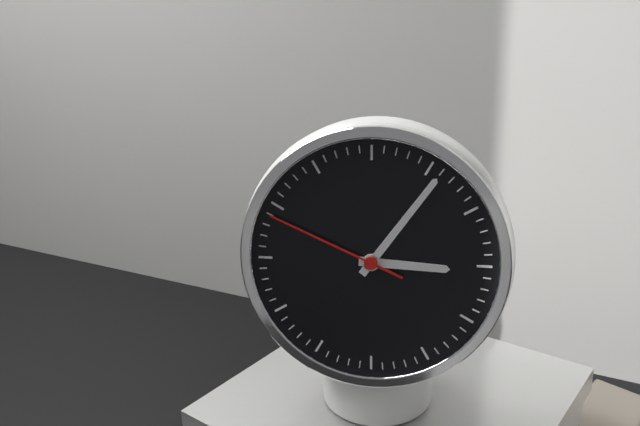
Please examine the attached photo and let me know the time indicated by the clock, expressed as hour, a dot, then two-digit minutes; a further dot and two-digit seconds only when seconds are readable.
3.06.49
